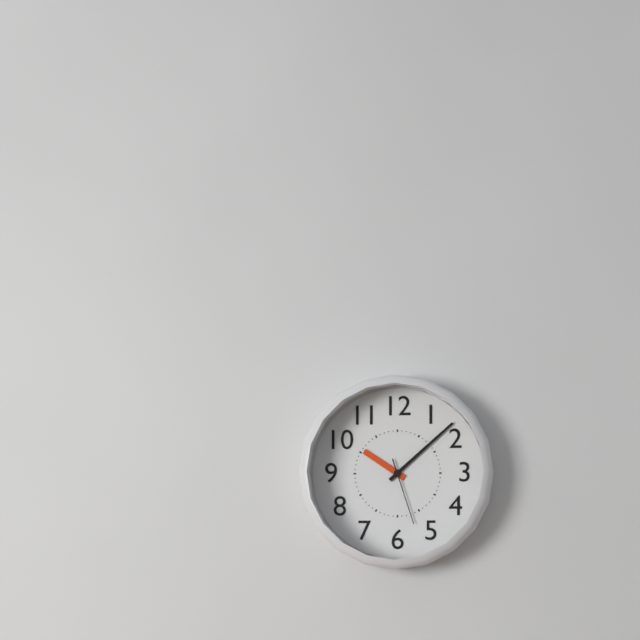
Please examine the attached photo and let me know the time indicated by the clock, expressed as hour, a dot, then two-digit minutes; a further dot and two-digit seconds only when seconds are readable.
10.08.27
